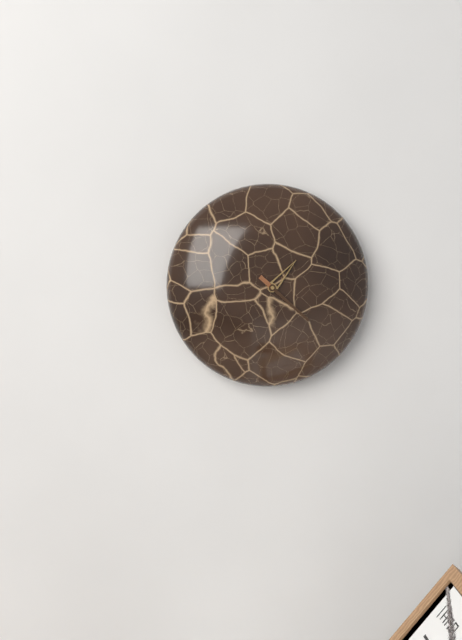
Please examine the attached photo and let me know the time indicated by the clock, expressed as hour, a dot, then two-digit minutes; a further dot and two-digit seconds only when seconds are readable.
1.22
